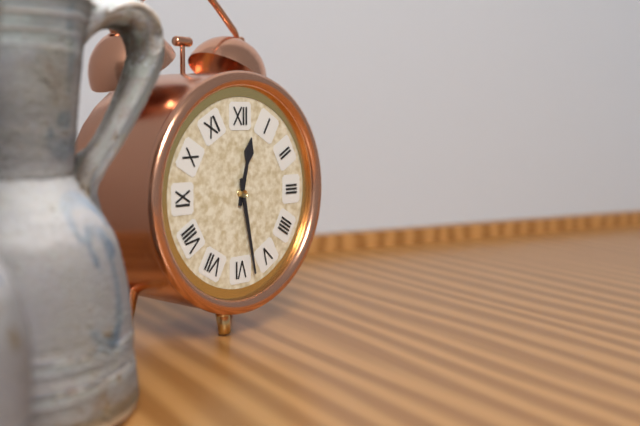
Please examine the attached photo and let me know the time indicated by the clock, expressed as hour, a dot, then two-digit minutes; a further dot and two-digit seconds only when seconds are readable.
12.28
